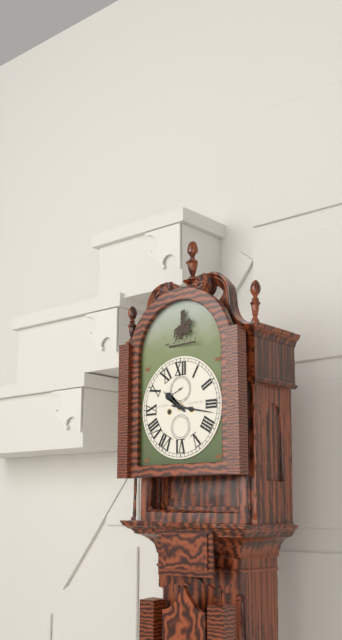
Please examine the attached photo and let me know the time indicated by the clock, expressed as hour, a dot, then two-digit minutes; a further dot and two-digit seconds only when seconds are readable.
10.17
